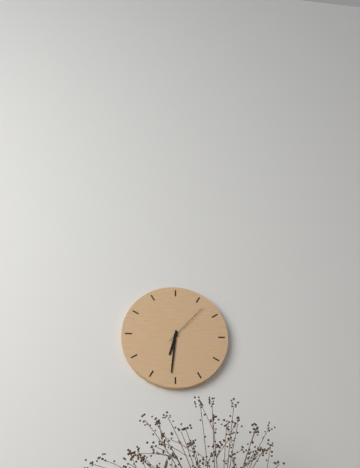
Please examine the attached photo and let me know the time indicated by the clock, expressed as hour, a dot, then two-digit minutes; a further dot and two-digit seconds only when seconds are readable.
6.31
